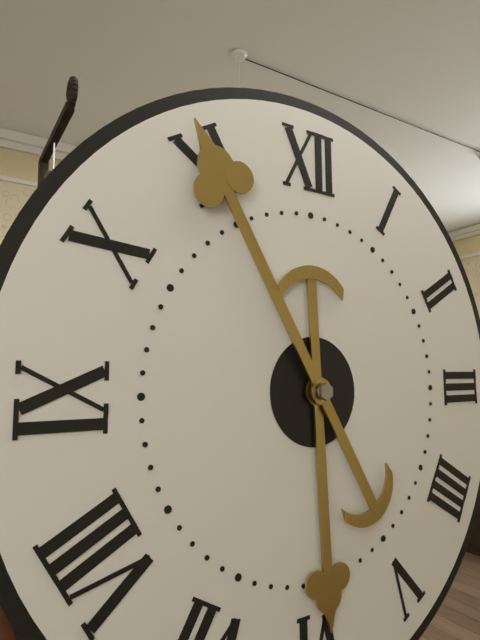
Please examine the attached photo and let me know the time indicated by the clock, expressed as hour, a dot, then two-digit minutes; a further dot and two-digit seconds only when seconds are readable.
5.55
